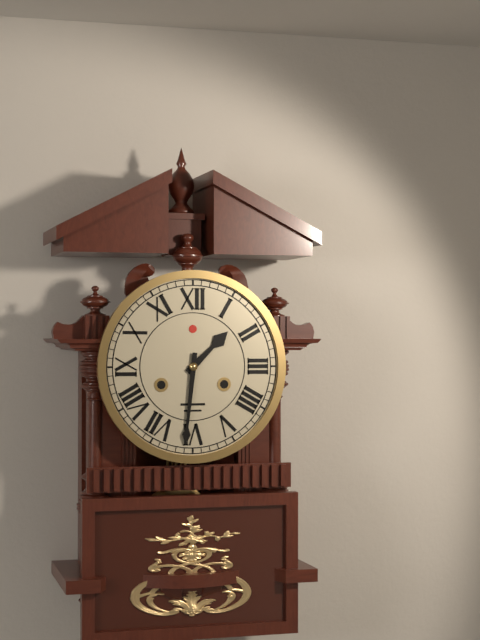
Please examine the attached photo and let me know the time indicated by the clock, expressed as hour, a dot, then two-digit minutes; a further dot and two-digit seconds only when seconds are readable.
1.31
